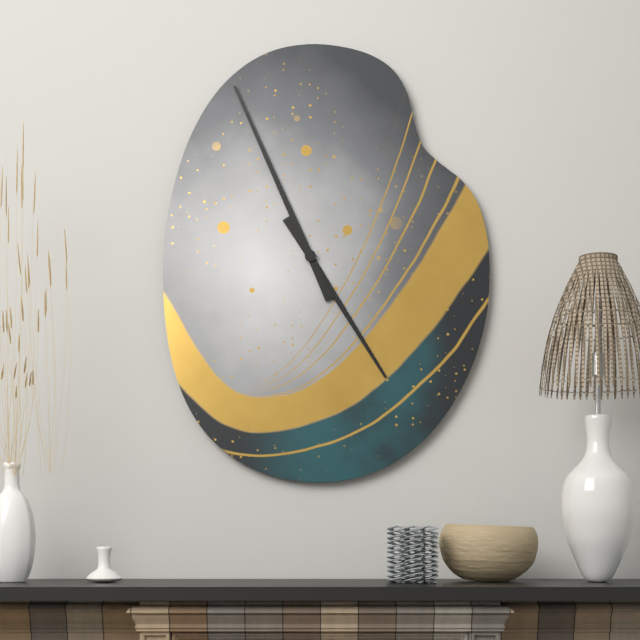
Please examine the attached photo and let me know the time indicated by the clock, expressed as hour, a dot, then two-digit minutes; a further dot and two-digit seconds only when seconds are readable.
4.56
